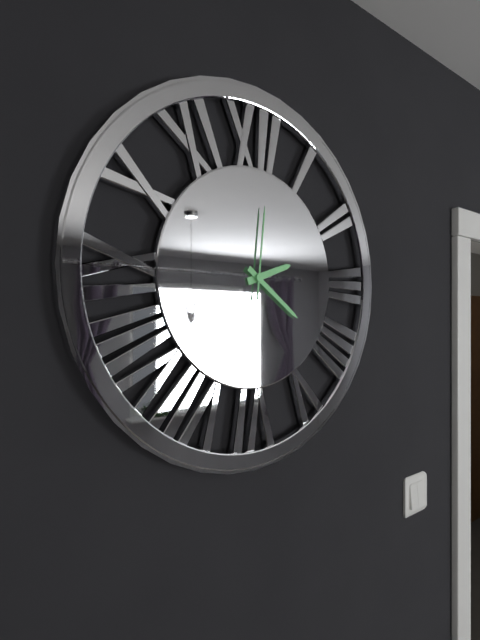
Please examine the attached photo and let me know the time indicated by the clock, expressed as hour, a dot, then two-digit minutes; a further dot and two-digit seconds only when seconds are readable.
2.21.01
